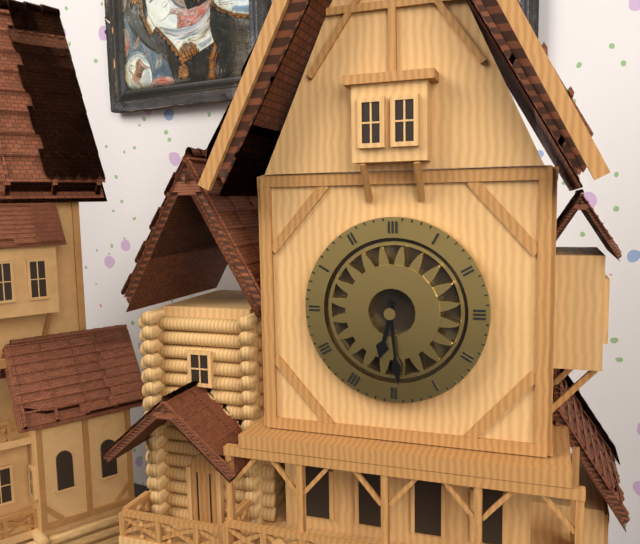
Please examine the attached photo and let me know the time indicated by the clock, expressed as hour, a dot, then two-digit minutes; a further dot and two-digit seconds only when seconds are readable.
6.29
